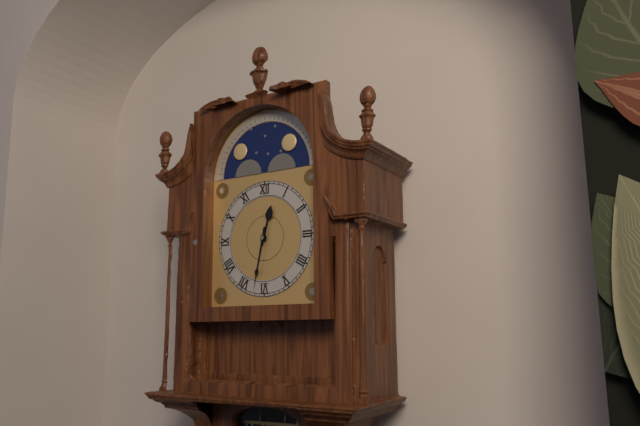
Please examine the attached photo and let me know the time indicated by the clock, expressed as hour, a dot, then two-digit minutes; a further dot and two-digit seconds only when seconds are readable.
12.32
